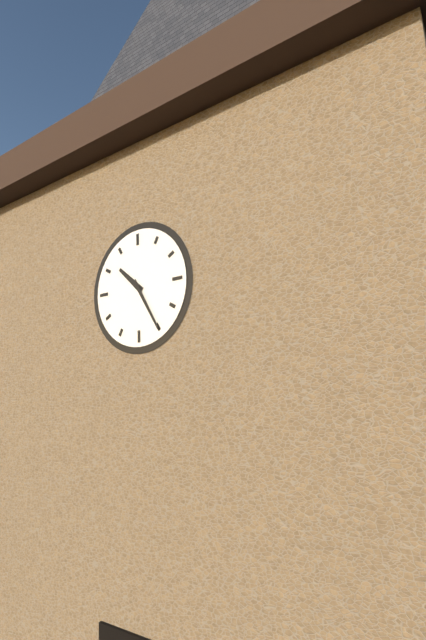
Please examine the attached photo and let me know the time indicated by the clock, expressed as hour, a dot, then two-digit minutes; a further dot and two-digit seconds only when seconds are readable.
10.25
